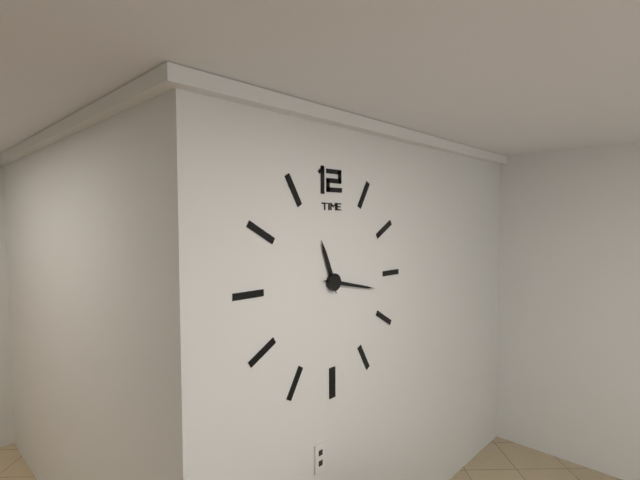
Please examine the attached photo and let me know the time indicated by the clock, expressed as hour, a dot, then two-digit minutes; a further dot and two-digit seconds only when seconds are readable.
11.17
